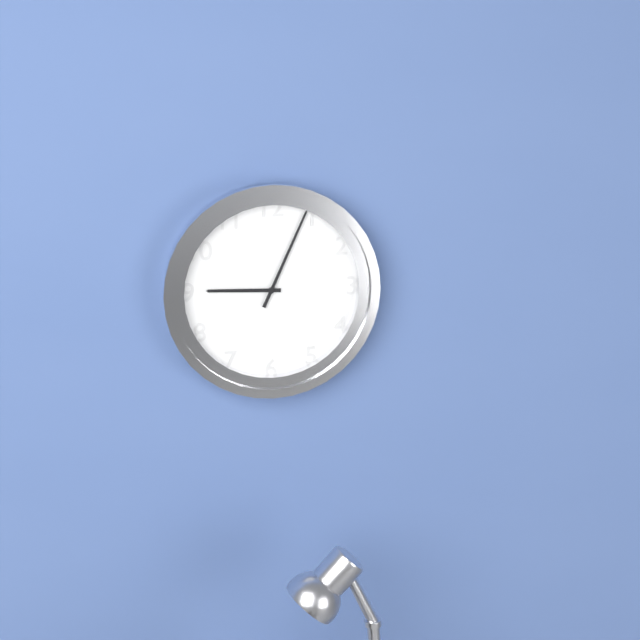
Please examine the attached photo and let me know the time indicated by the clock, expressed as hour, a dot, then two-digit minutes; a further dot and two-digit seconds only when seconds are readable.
9.04
